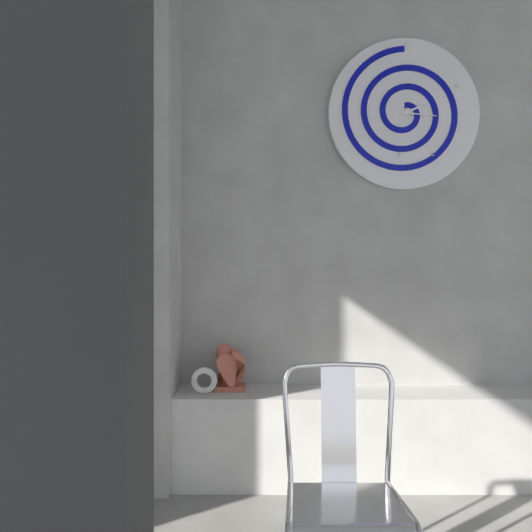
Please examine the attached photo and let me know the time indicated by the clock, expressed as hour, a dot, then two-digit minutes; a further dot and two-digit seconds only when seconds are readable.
2.16
